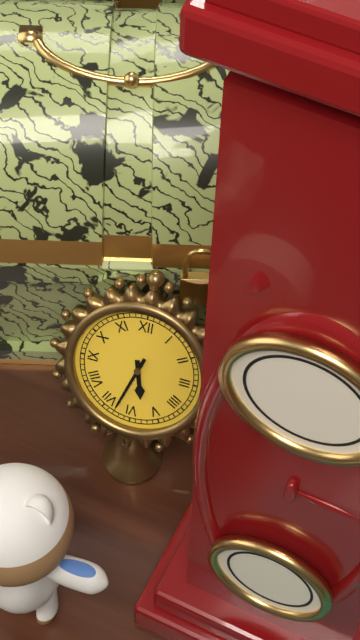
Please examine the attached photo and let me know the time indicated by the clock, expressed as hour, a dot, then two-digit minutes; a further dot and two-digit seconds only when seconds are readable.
5.33
